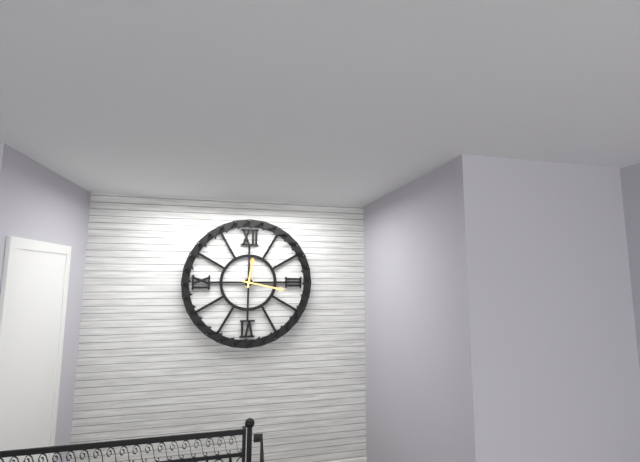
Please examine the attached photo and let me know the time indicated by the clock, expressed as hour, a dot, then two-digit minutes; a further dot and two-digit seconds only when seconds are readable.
12.17
